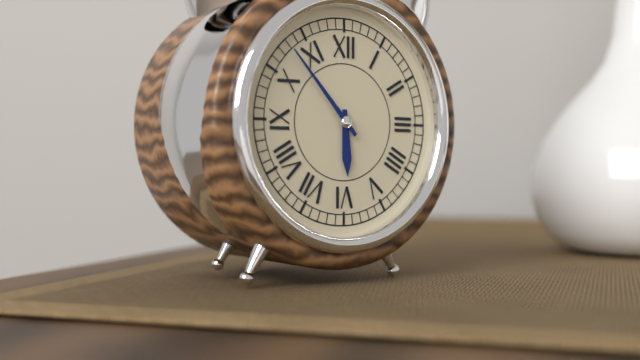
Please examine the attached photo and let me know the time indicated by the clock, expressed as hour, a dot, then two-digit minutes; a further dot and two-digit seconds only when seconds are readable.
5.53
